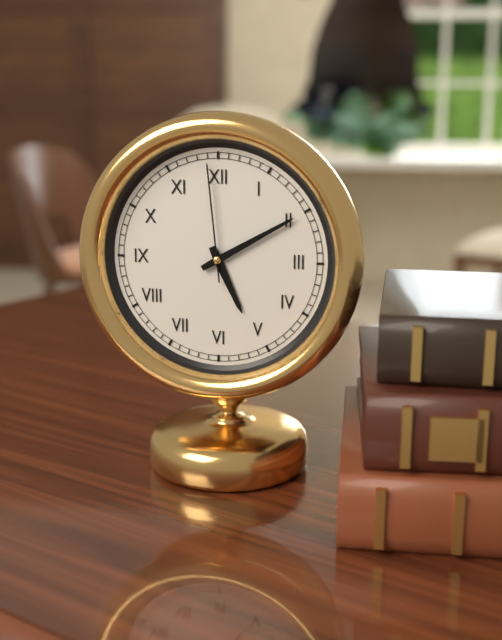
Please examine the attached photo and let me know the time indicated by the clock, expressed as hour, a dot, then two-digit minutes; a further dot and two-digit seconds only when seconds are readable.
5.10.59
